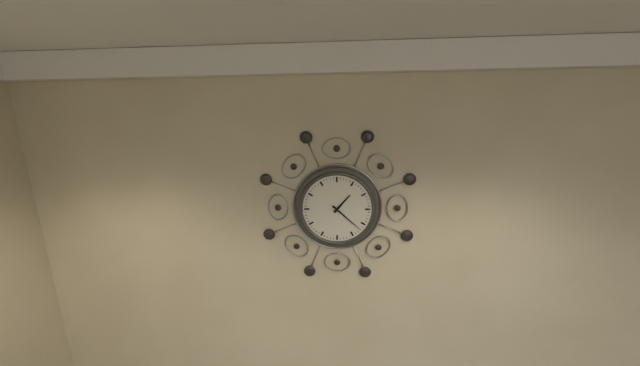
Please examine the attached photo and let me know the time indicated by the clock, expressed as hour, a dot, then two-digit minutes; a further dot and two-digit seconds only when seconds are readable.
1.22
